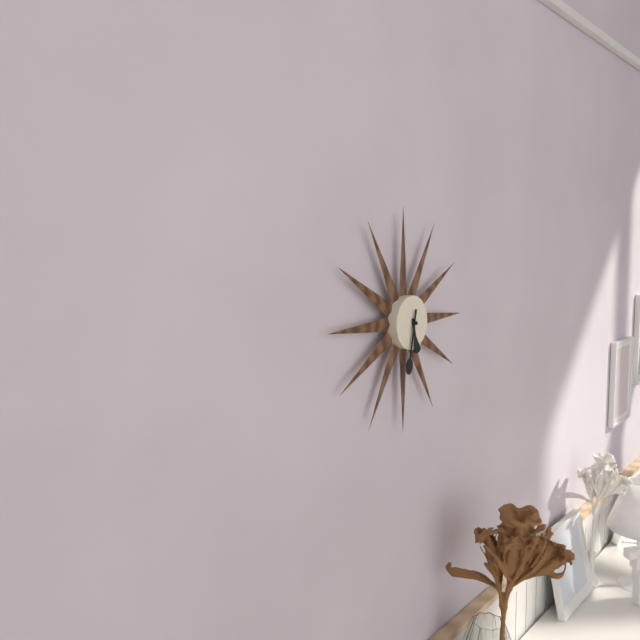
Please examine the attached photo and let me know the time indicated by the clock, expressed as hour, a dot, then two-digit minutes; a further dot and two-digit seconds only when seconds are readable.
5.32
